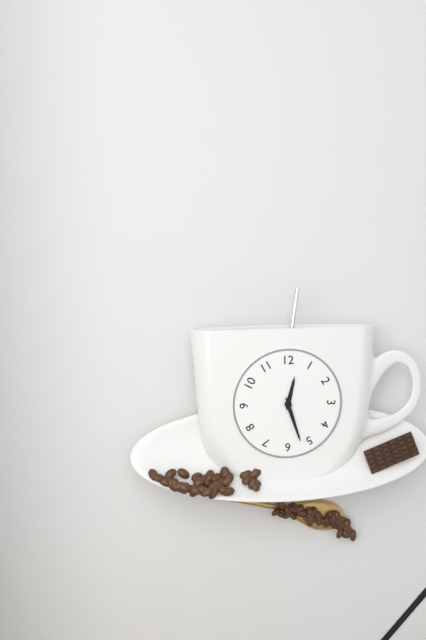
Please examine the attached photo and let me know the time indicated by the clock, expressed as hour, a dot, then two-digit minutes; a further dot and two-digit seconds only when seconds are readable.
12.27
